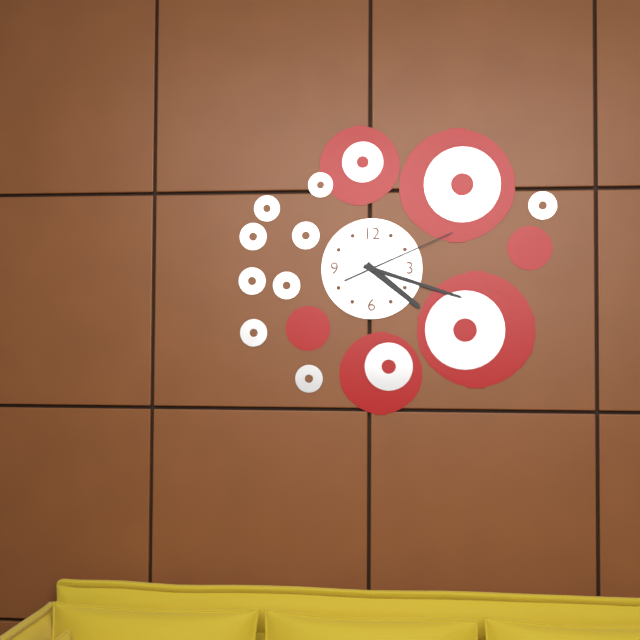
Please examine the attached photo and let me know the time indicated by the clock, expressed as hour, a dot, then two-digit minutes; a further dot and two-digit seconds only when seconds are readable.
4.18.11
